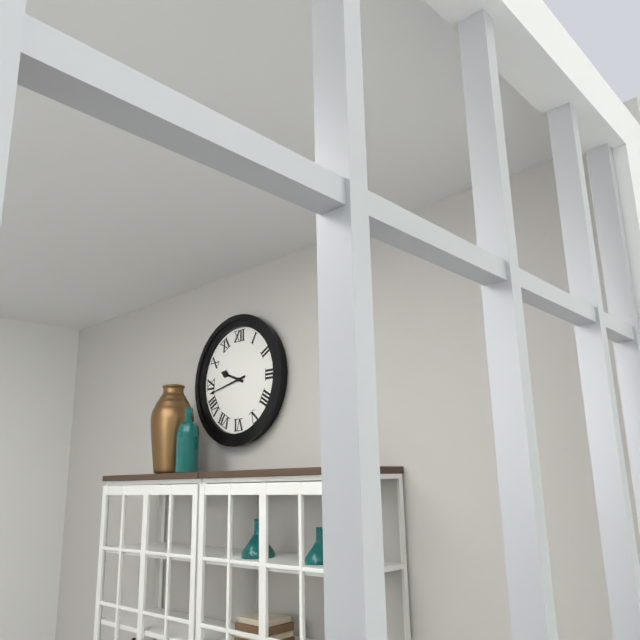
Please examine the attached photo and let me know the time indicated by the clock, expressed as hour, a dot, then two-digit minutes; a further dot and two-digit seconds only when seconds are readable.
9.43
